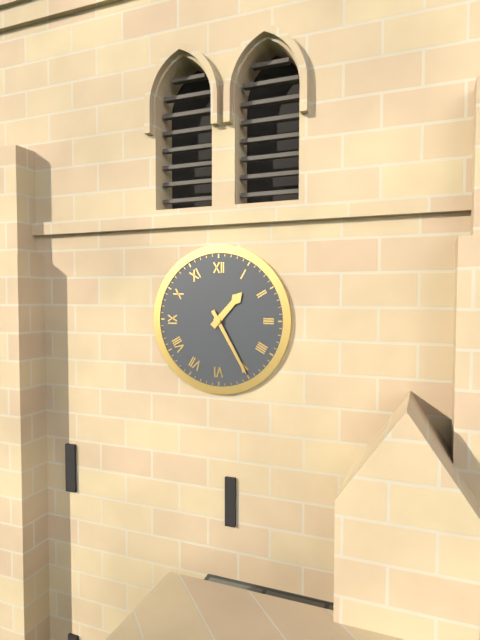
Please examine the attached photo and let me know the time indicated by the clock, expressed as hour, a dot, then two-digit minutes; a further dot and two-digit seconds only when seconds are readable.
1.25
